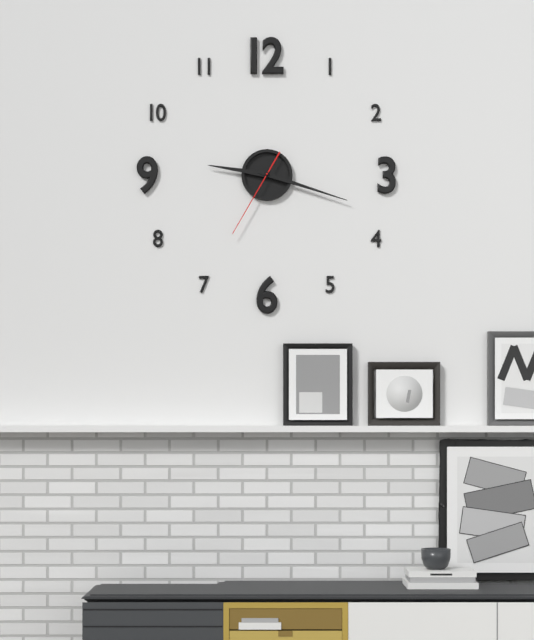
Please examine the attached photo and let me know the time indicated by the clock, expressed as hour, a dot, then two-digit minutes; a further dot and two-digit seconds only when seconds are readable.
9.18.35
